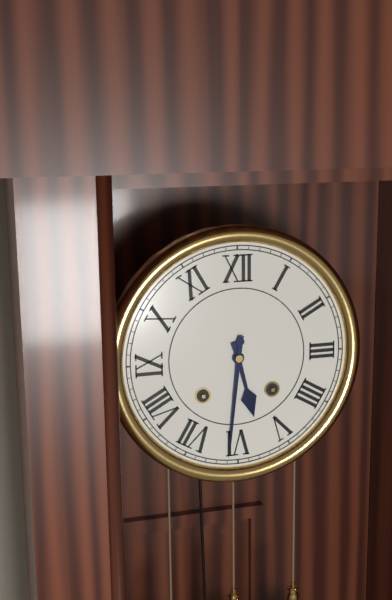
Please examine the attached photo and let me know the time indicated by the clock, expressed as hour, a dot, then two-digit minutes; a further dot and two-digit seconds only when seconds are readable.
5.31
